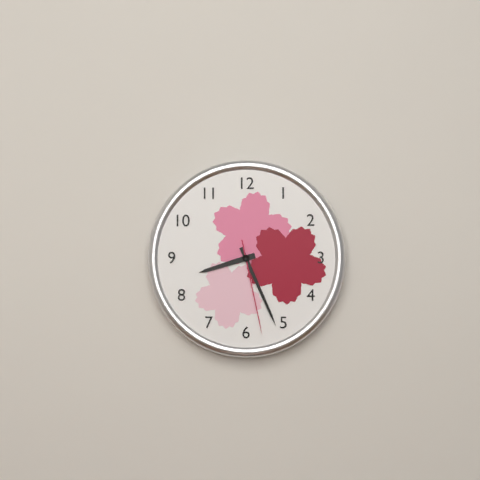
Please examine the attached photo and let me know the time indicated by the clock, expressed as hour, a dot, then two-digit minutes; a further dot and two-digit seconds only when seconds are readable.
8.26.28
